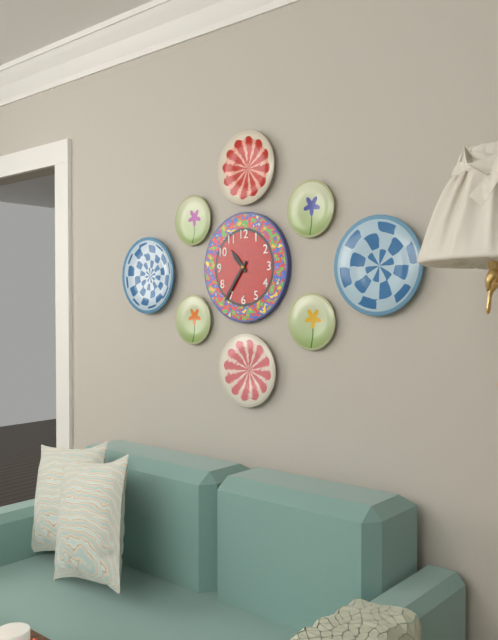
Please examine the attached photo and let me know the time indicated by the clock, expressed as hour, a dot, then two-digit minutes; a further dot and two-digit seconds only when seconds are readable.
10.36
